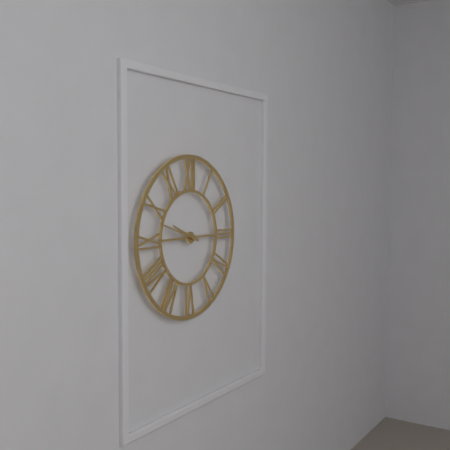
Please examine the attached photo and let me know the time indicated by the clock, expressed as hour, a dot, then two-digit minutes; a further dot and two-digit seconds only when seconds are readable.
9.48
